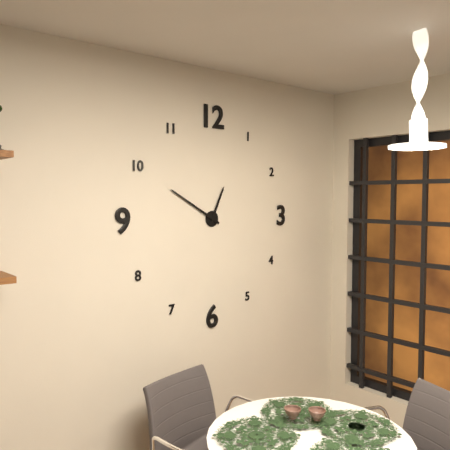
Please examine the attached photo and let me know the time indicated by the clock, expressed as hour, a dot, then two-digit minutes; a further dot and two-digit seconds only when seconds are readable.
12.50
